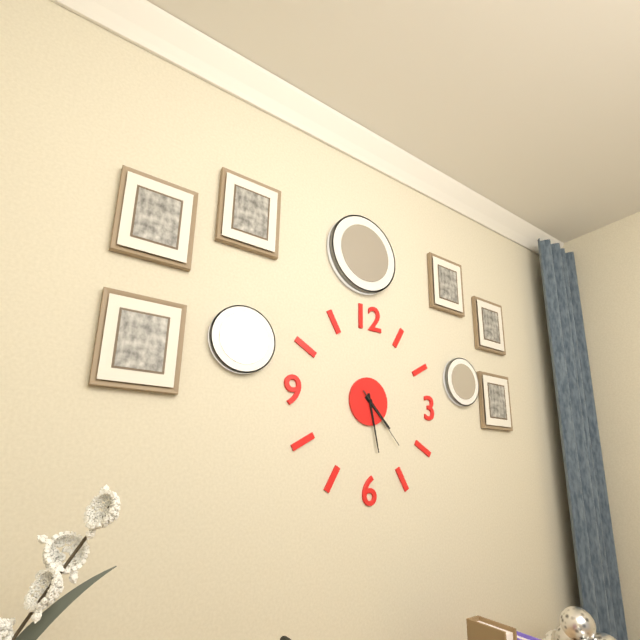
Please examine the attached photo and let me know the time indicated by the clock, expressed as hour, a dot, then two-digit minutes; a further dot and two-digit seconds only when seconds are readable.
4.28.23
